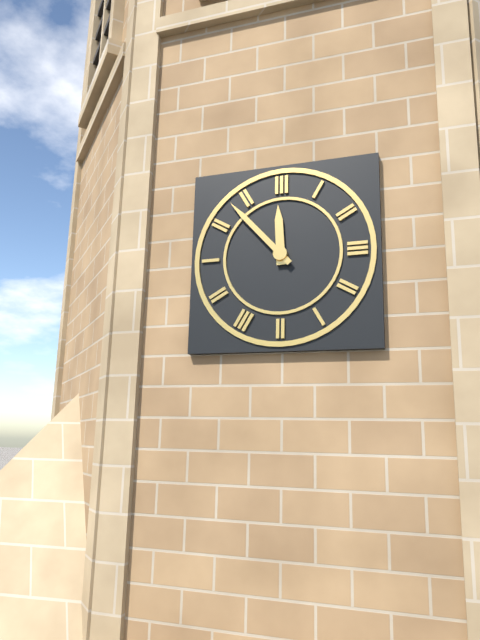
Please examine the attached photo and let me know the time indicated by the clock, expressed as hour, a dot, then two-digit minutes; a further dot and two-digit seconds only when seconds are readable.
11.53
